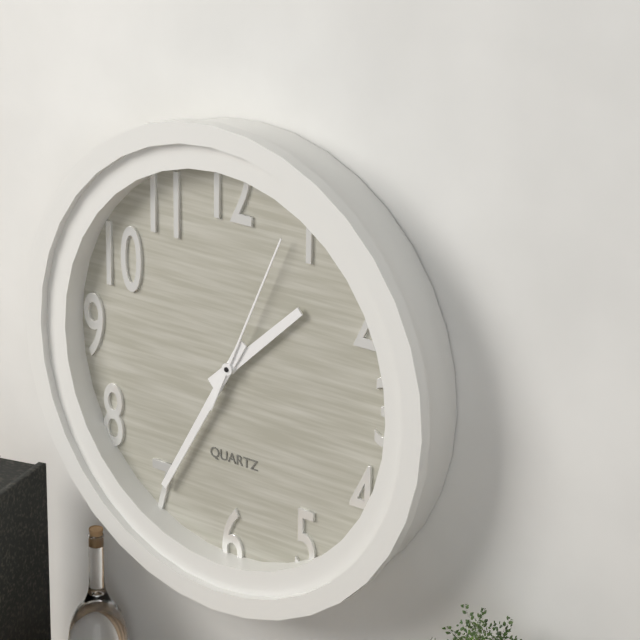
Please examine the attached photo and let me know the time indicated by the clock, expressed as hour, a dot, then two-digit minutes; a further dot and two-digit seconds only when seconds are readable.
1.35.04
